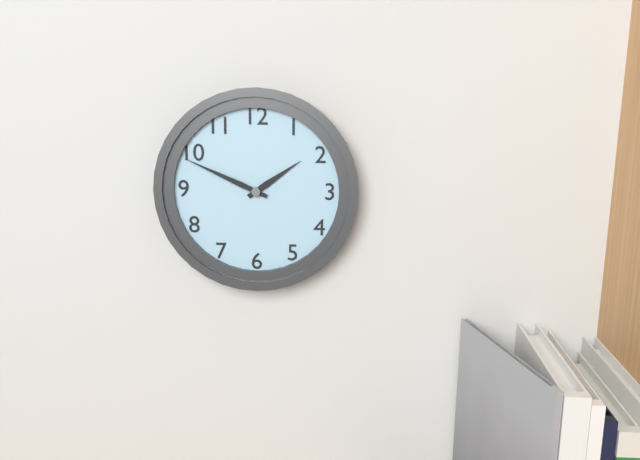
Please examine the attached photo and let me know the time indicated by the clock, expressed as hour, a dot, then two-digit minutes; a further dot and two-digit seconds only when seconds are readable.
1.49
